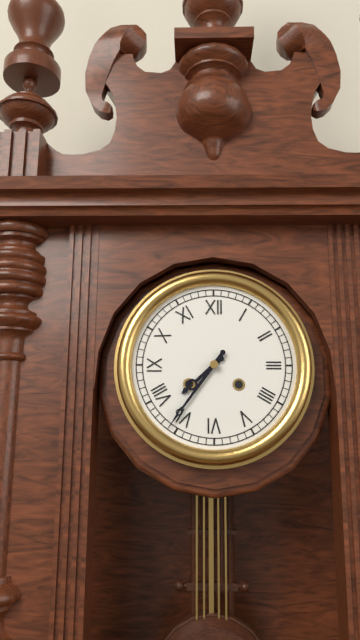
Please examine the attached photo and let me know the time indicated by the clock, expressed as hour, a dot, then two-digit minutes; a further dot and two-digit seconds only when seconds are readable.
7.36
